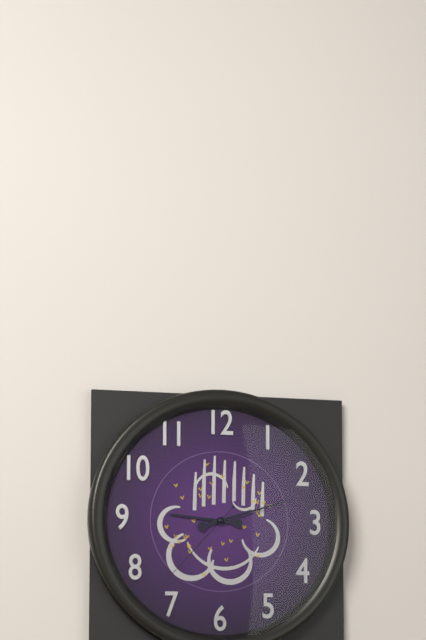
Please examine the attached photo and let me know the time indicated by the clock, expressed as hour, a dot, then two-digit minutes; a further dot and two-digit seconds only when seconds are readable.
9.12.37
